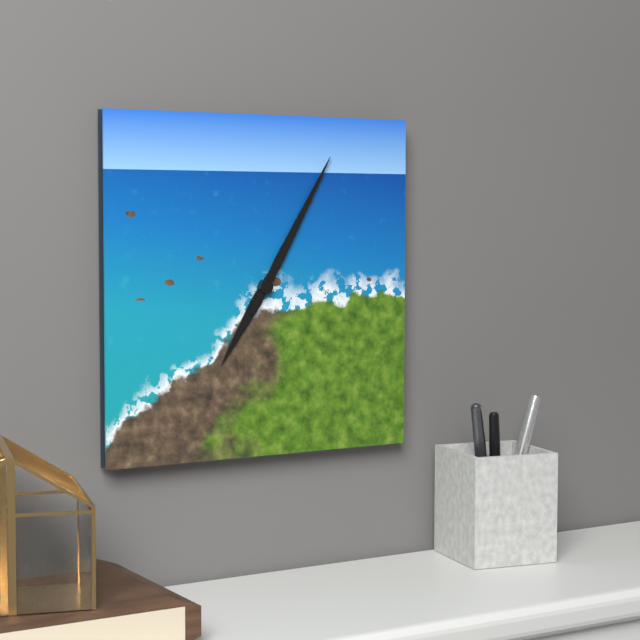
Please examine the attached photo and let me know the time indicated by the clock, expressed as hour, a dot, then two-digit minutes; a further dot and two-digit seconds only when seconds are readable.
7.05
